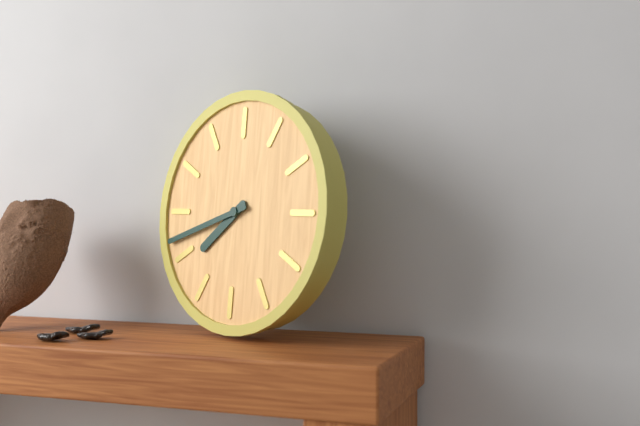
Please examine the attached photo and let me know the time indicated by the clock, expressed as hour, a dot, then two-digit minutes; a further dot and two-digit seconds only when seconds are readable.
7.42
